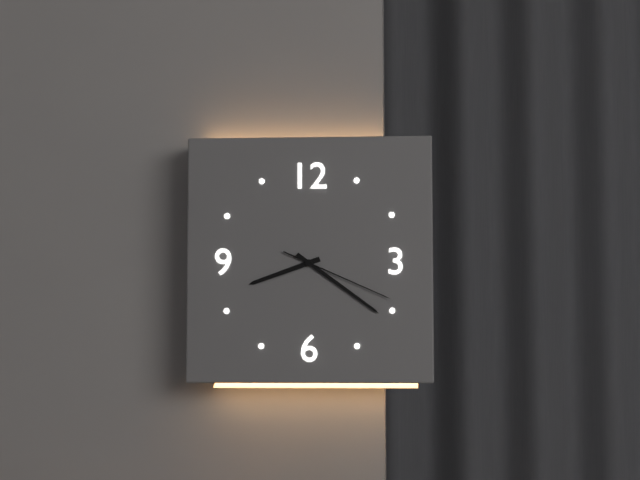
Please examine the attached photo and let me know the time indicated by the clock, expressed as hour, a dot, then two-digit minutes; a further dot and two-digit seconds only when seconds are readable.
8.21.19
